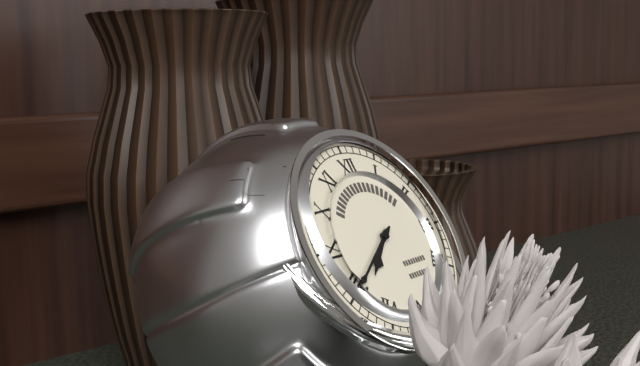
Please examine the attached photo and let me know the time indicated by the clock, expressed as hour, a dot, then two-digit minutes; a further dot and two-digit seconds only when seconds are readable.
7.40
